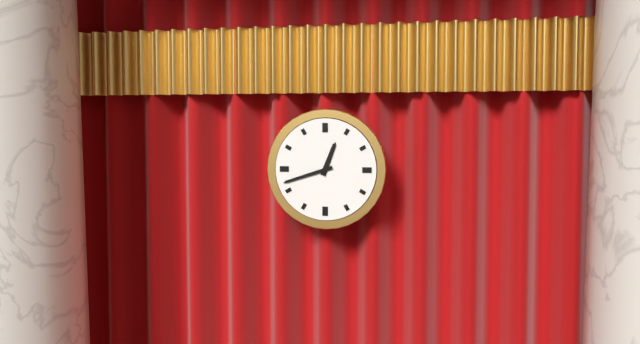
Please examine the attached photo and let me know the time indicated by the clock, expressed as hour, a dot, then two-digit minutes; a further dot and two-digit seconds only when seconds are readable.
12.42
